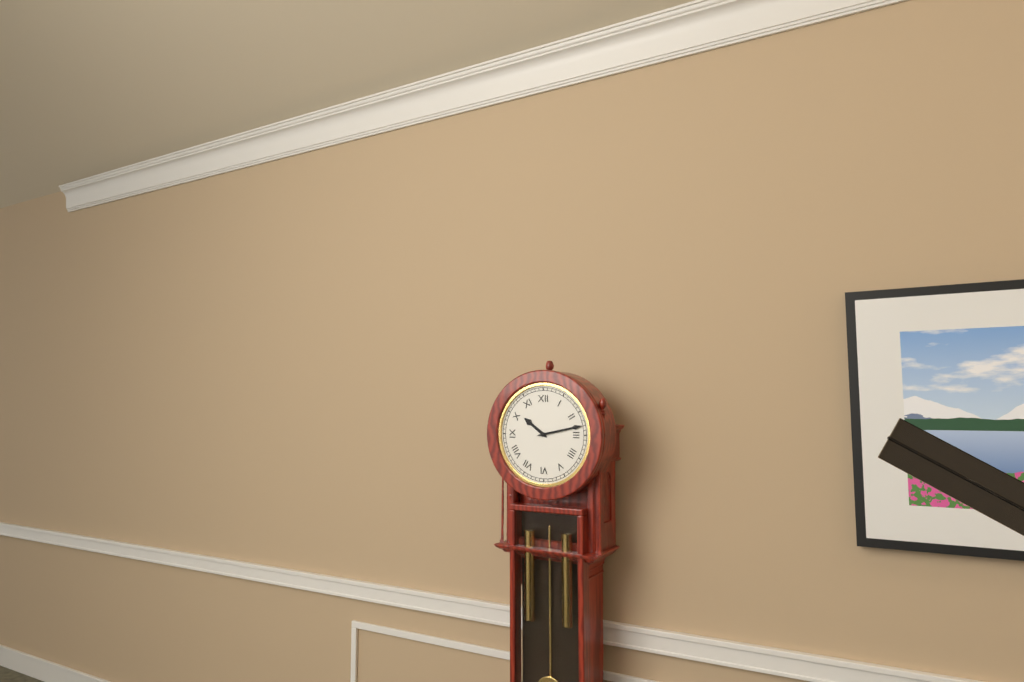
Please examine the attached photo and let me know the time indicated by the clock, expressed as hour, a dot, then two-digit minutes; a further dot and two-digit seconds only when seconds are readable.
10.13
